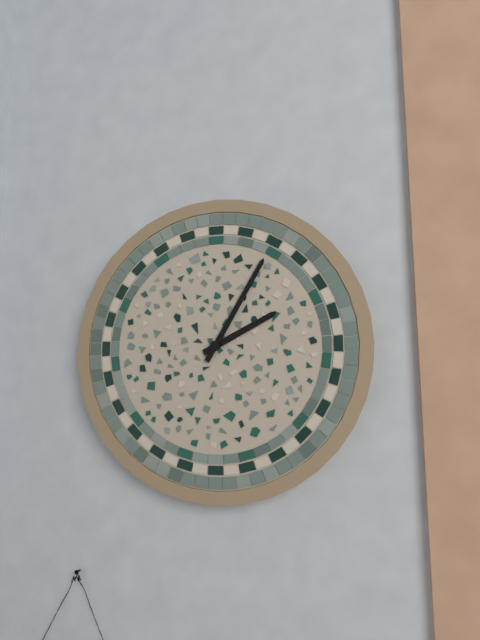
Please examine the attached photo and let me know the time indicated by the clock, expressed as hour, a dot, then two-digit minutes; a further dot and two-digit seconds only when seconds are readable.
2.05
